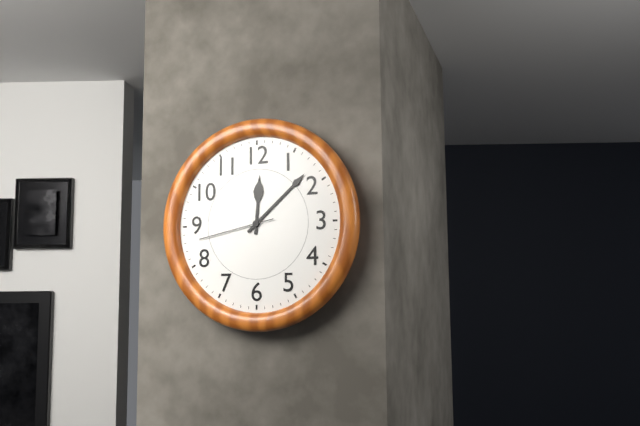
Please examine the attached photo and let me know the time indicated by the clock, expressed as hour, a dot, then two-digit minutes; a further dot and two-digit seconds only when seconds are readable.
12.08.43
